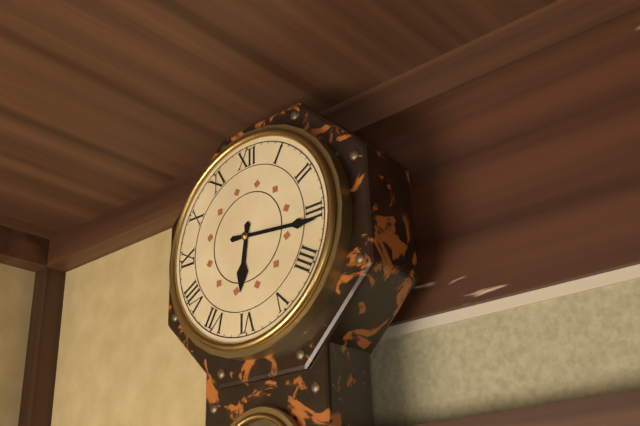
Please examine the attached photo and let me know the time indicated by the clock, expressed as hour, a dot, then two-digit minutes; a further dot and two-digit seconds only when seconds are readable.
6.16
